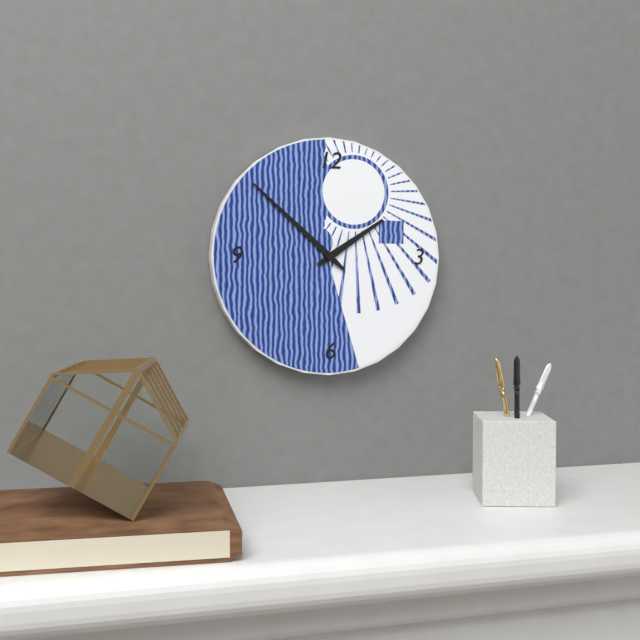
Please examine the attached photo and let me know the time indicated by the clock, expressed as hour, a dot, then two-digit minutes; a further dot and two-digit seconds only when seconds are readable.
1.52
